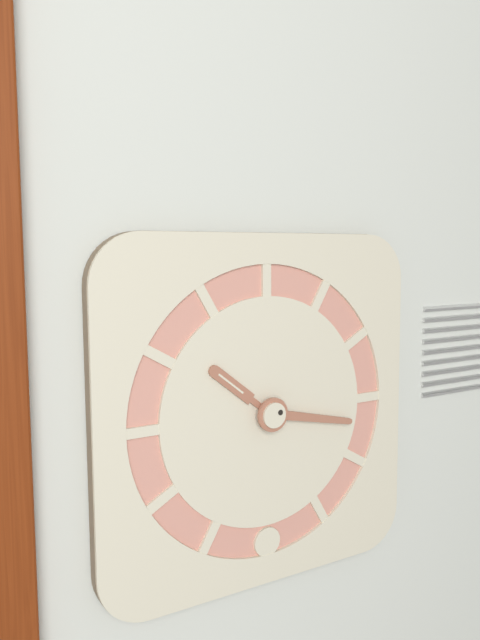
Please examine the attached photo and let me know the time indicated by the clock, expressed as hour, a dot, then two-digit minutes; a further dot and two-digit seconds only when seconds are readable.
10.17
